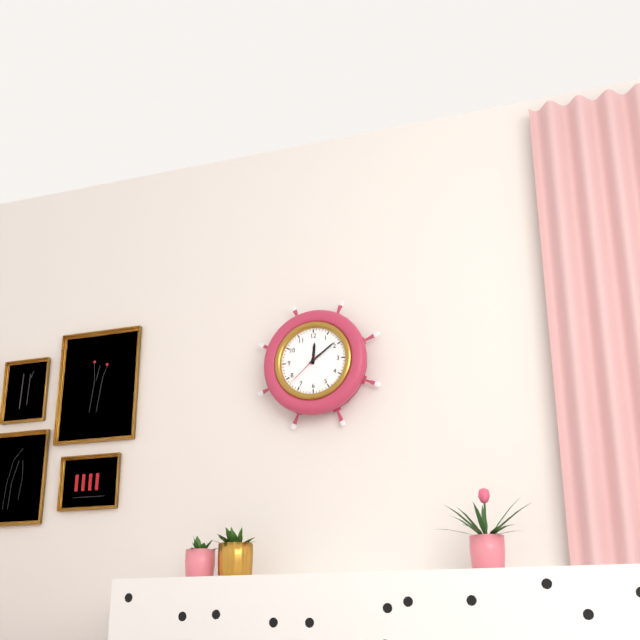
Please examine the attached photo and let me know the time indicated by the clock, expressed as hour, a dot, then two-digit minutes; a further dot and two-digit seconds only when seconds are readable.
12.09
